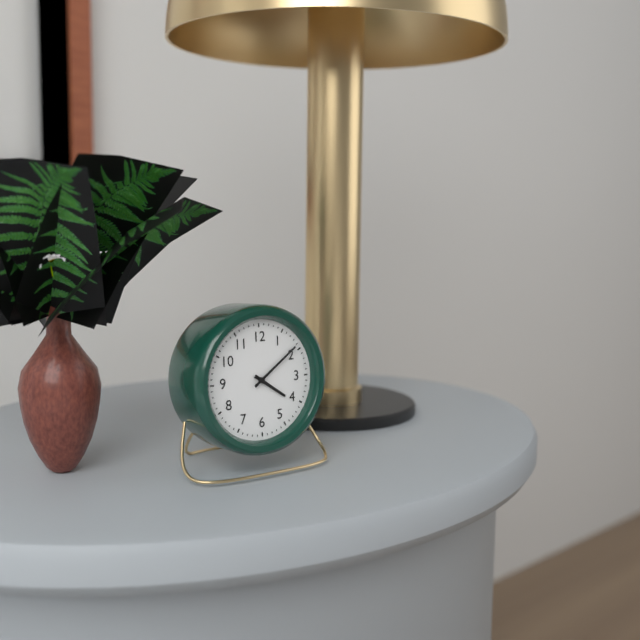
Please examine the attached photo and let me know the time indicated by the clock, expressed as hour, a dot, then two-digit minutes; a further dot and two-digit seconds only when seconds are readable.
4.09
